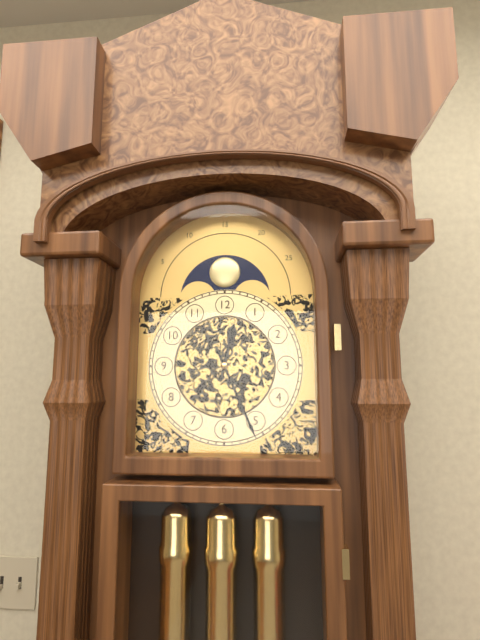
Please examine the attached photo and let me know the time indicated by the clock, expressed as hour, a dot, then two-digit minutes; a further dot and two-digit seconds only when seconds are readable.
12.26
